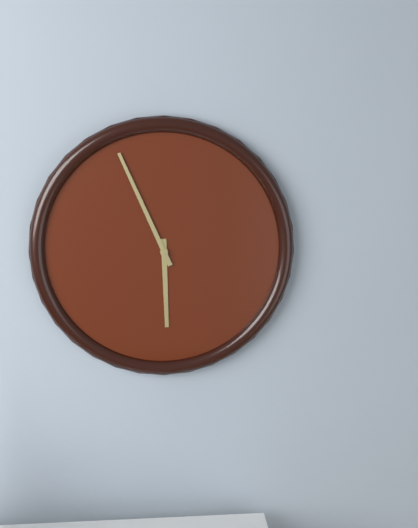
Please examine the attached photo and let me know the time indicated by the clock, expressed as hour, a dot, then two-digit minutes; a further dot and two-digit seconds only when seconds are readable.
5.56
